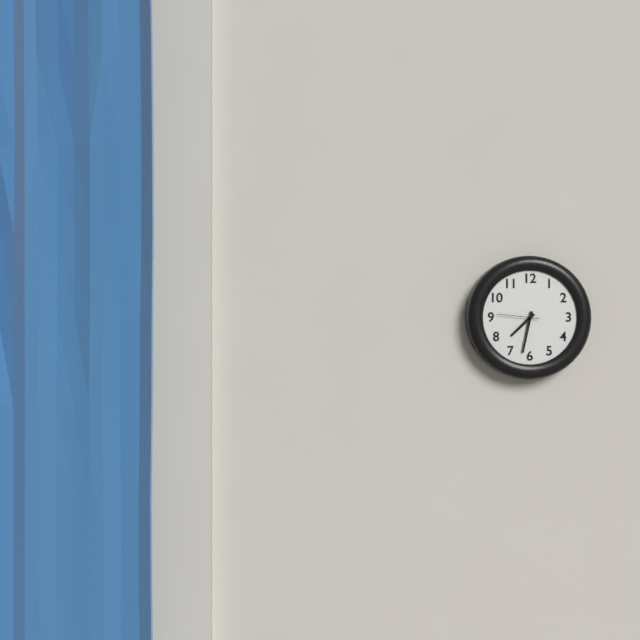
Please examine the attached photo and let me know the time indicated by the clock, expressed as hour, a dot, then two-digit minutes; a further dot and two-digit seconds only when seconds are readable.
7.32
